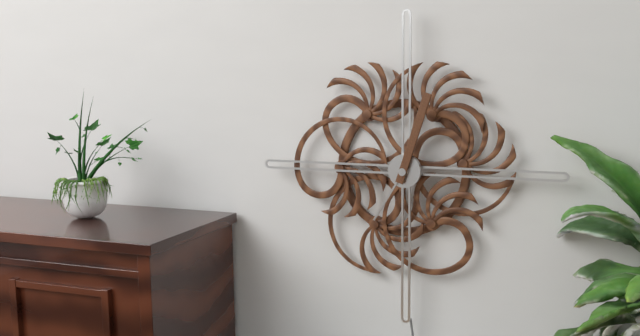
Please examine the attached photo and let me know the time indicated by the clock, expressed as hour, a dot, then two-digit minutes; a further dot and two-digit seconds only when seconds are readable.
7.03
